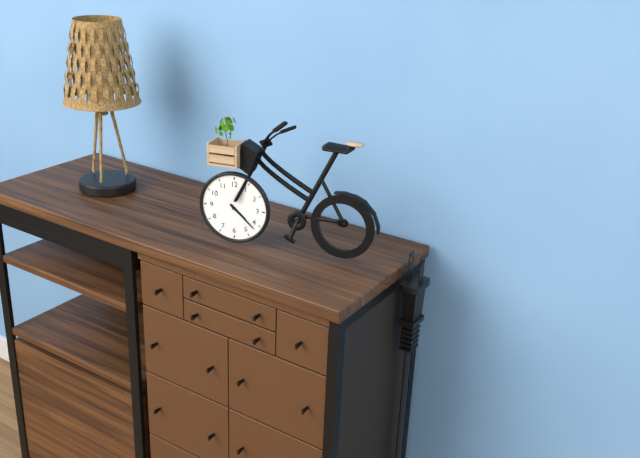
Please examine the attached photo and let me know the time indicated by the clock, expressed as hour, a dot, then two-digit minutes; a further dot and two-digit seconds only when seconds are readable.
4.22
